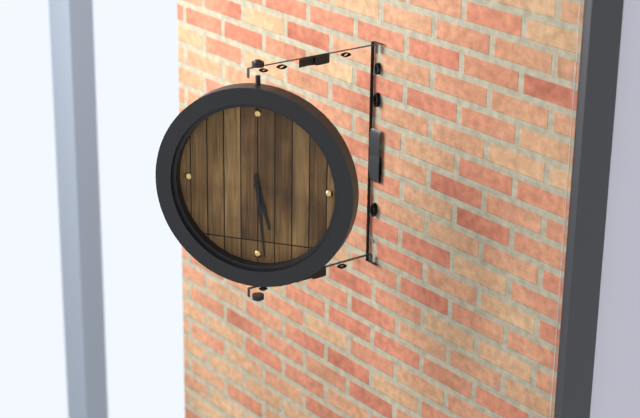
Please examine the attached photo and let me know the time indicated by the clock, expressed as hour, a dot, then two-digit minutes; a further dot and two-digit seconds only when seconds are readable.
5.29
